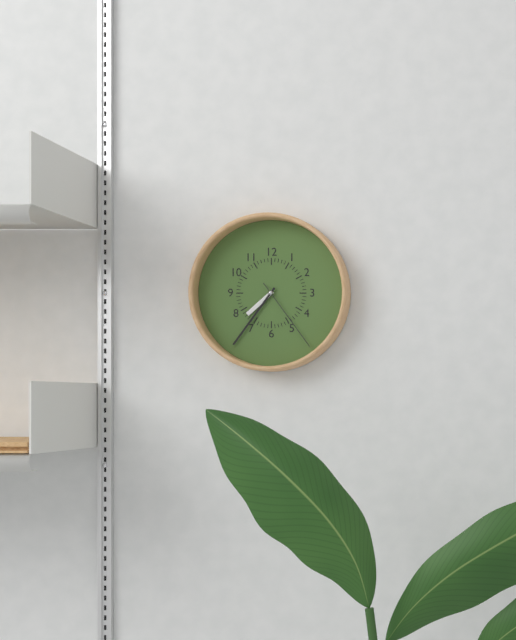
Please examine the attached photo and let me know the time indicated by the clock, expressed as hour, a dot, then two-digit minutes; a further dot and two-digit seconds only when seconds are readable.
7.36.24
